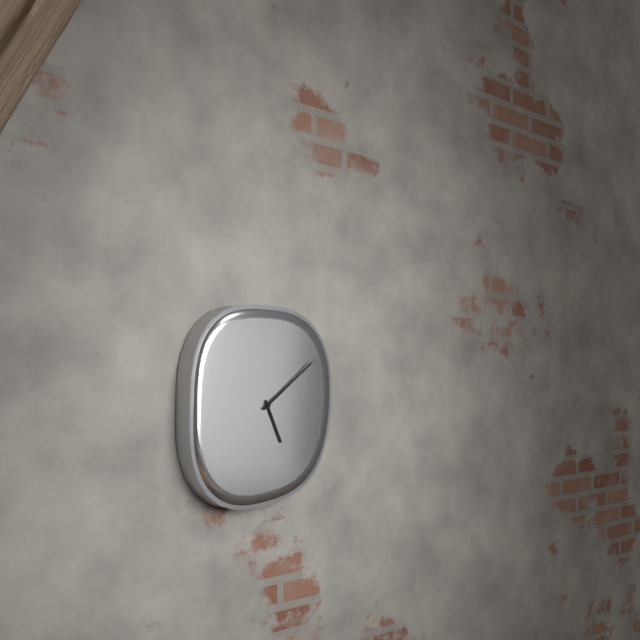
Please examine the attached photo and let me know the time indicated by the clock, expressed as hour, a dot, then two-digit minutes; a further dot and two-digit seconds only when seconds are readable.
5.09
